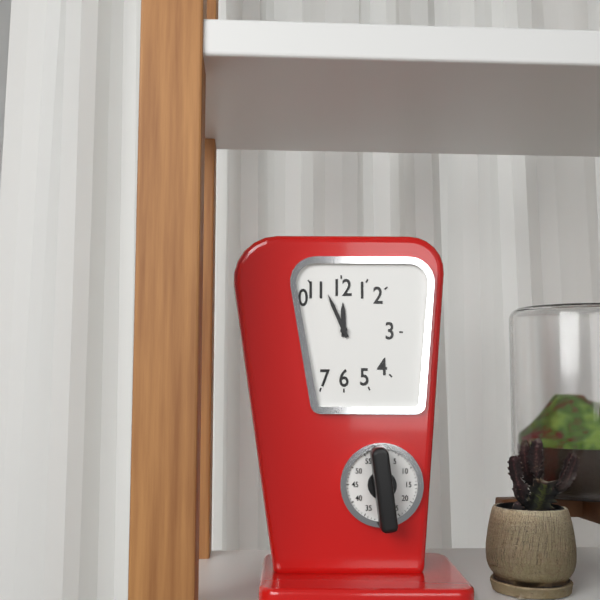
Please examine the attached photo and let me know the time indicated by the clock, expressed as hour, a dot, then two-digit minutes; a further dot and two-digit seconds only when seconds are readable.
11.56
